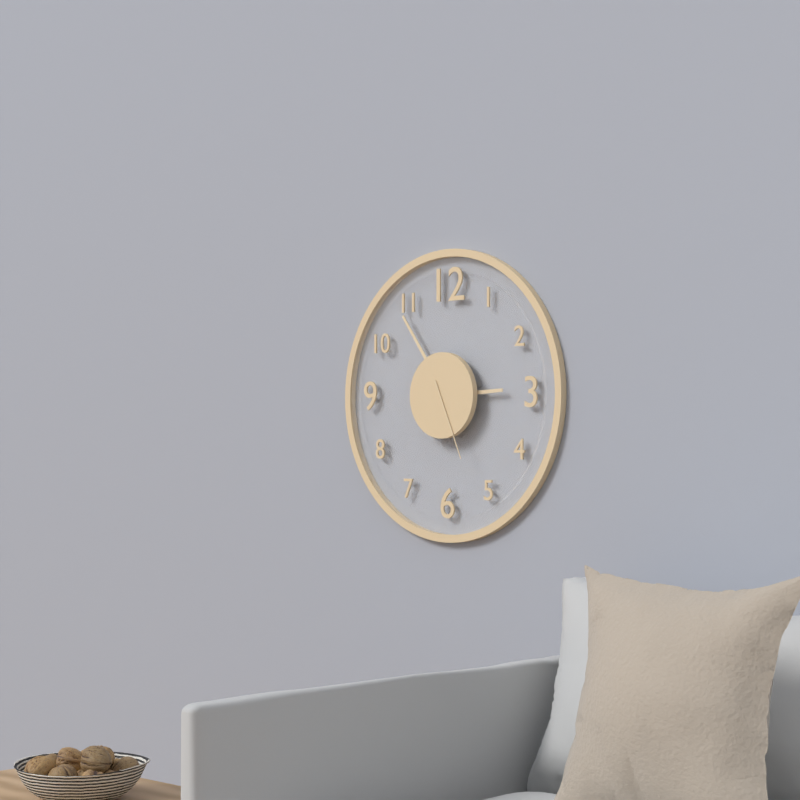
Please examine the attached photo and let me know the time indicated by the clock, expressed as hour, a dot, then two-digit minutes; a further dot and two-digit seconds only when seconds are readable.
2.54.26
